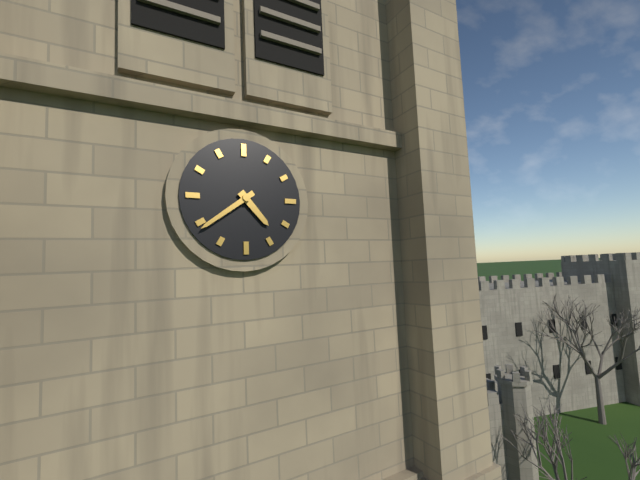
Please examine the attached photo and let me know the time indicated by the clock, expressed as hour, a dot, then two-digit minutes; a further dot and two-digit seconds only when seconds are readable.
4.39
